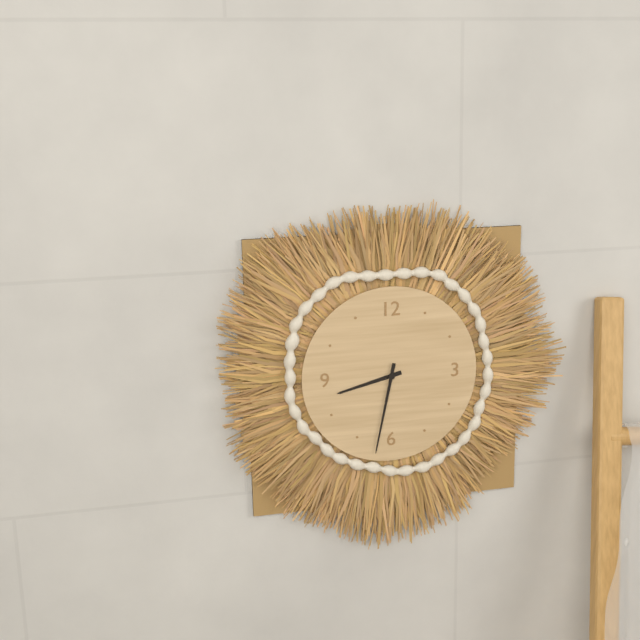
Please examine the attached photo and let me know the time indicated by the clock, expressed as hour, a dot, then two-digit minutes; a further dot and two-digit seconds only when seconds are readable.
8.32
